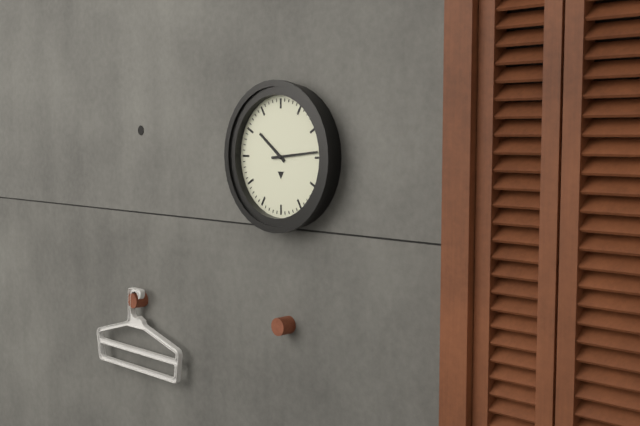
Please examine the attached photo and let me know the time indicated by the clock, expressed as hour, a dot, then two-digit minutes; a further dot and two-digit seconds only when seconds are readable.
10.14
